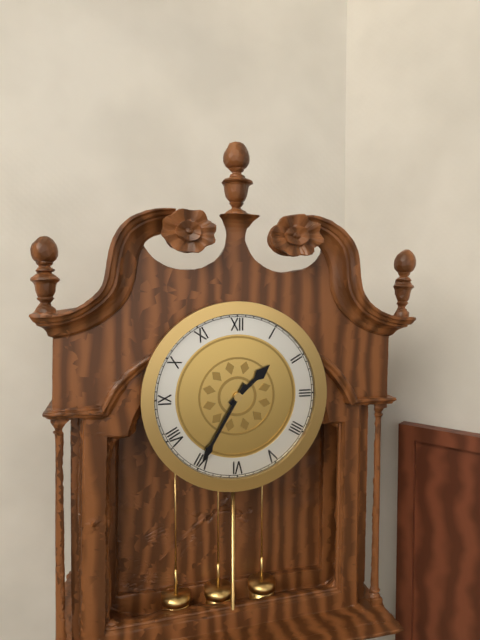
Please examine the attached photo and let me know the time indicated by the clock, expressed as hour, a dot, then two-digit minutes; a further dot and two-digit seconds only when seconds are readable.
1.35
